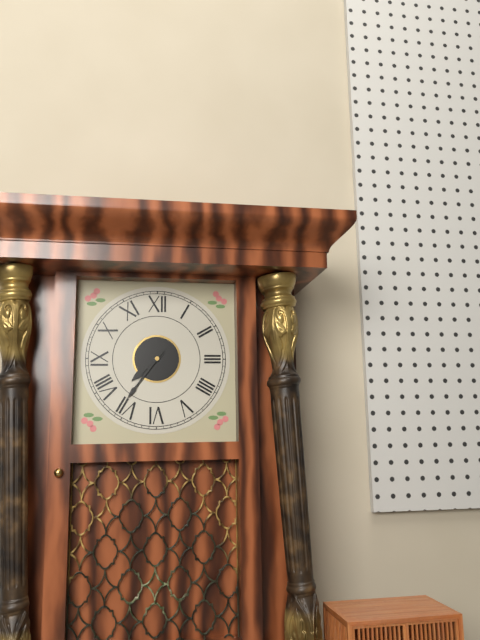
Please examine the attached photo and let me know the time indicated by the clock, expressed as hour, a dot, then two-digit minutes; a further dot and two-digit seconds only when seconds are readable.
7.36
